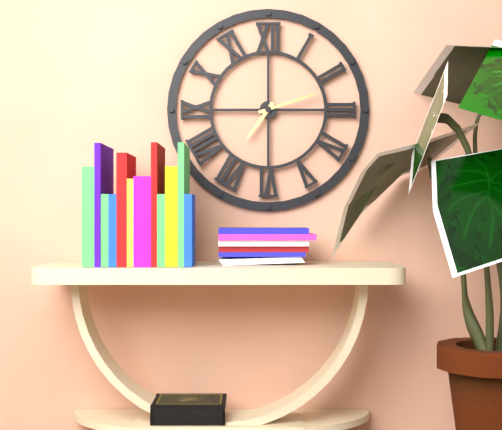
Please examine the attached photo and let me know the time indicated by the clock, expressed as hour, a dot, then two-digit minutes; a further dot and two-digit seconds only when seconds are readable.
7.12
